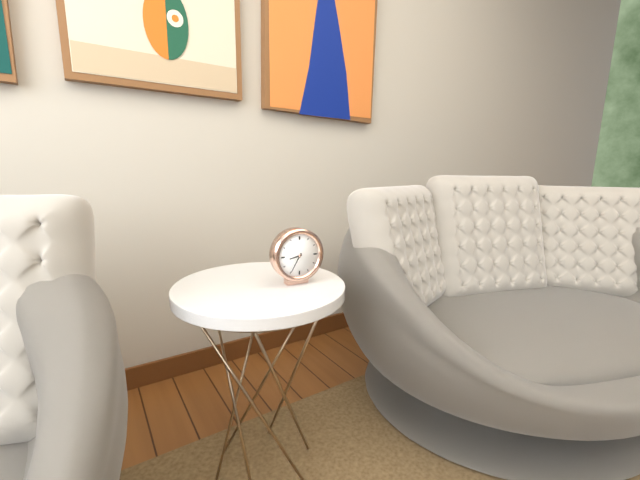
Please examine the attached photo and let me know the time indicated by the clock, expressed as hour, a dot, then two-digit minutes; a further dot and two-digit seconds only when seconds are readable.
8.35
